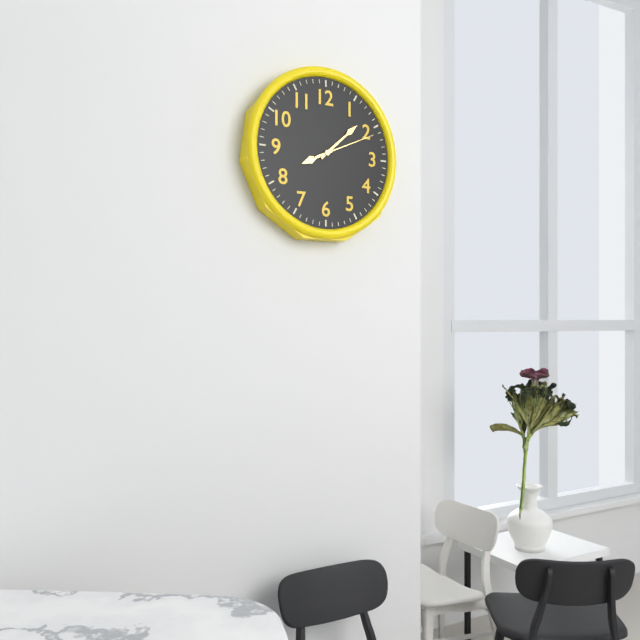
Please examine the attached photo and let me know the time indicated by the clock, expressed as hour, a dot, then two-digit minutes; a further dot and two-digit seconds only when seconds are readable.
8.08.11
